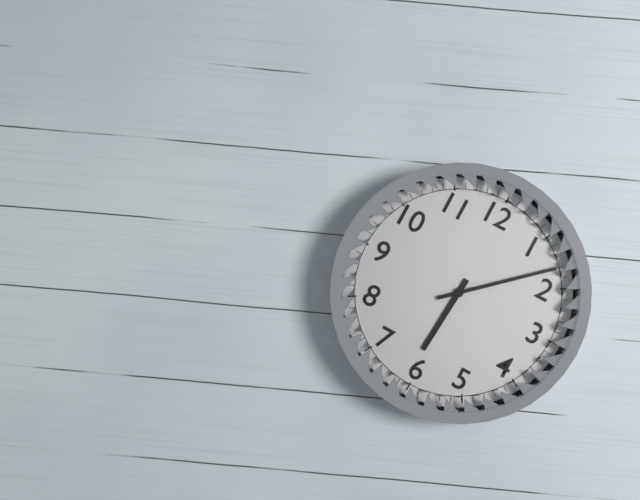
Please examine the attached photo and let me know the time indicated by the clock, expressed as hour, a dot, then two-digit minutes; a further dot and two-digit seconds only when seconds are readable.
6.08
